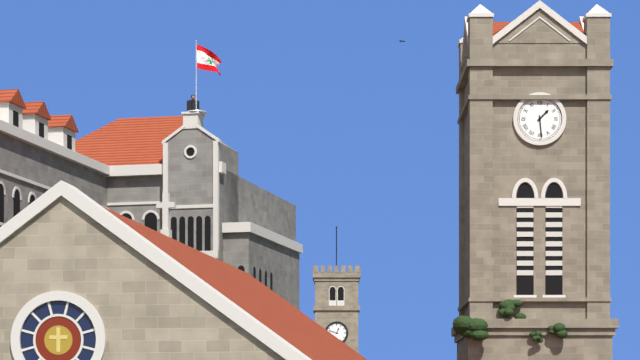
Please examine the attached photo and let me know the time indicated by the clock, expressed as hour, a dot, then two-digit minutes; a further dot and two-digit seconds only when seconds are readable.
1.29
